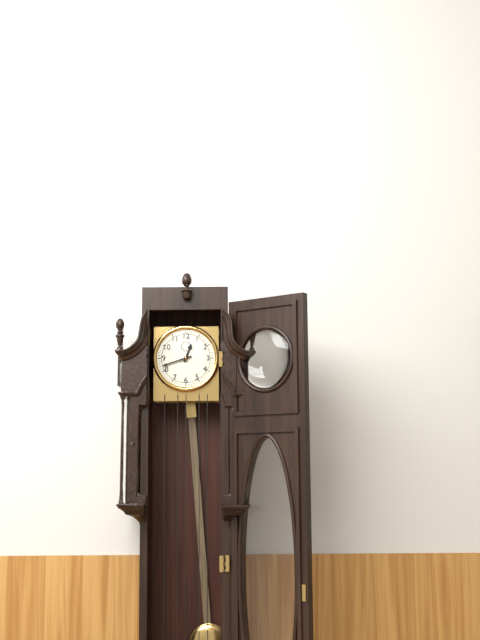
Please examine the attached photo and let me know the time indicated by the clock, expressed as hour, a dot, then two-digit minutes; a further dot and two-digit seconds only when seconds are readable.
12.42
